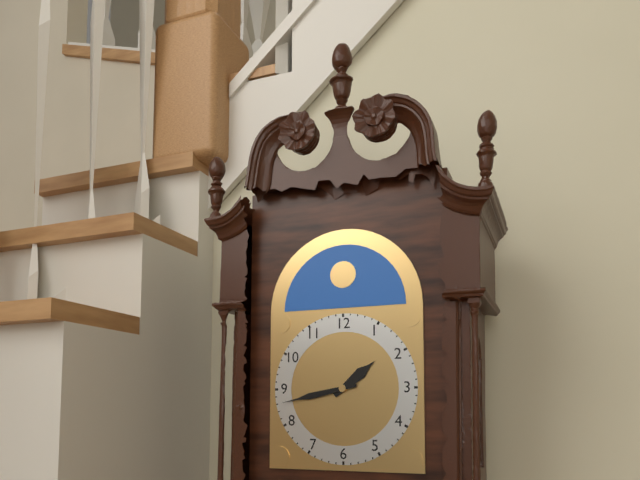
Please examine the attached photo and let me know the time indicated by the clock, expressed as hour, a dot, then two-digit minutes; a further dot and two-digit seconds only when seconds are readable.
1.43
